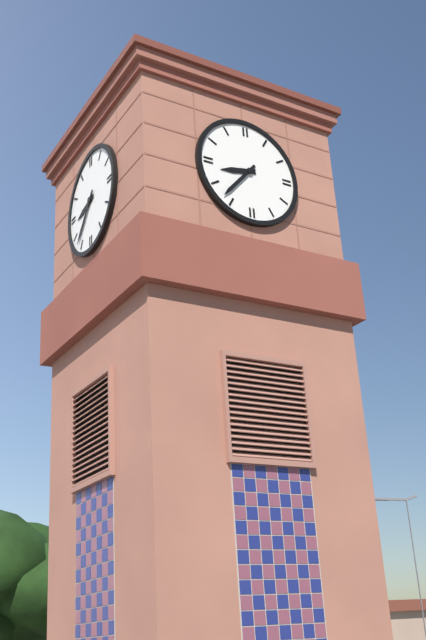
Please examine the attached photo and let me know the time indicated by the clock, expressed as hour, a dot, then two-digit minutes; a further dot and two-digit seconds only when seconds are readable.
8.37
